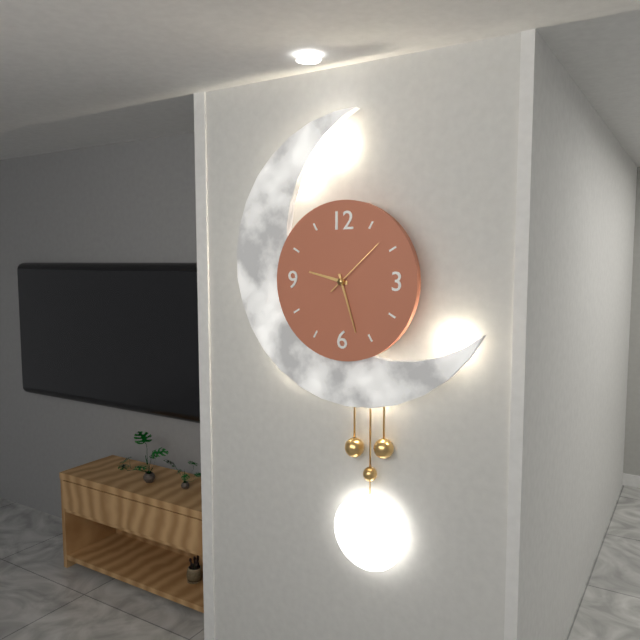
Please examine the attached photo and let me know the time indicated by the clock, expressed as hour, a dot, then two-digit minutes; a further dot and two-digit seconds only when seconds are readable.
9.27.08
